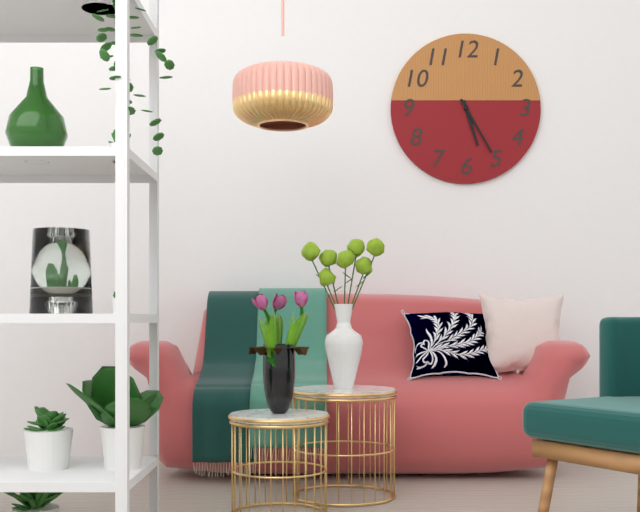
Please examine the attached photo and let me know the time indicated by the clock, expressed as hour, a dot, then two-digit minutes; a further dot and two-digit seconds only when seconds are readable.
5.25
